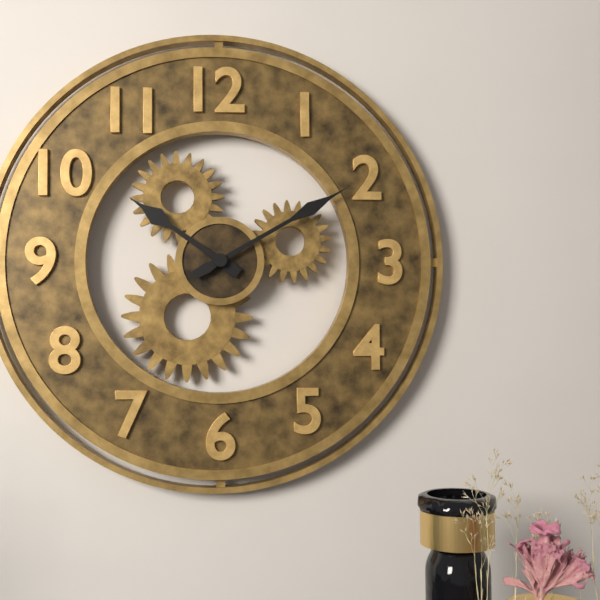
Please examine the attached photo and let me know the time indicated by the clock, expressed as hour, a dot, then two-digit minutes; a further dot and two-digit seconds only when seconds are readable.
10.10
